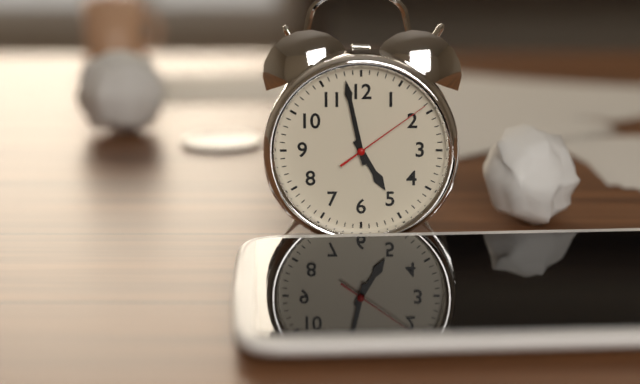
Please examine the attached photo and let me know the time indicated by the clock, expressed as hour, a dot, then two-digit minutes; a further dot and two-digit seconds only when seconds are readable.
4.58.09
